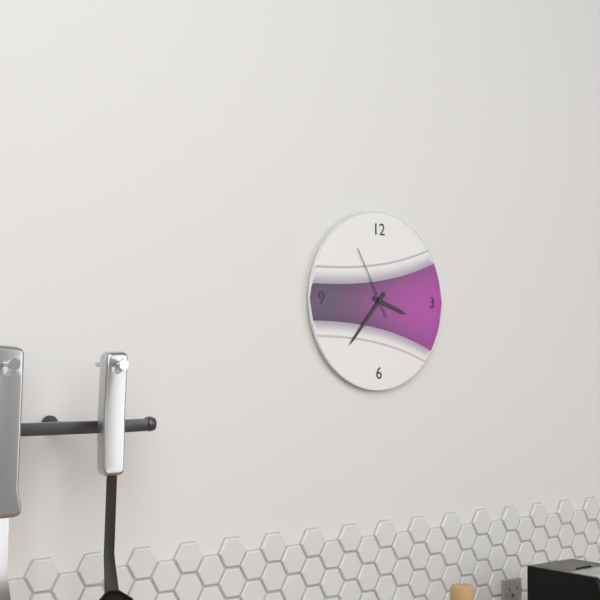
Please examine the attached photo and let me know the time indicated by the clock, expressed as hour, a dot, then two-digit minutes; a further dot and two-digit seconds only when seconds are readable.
3.37.55
